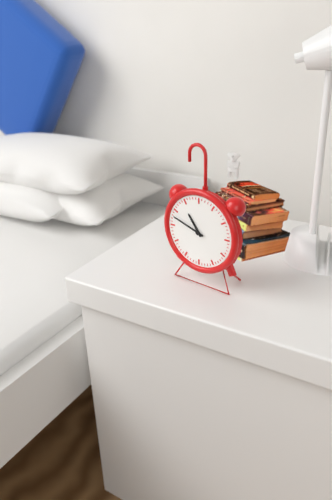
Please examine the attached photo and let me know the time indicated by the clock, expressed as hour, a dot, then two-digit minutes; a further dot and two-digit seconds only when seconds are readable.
10.48
